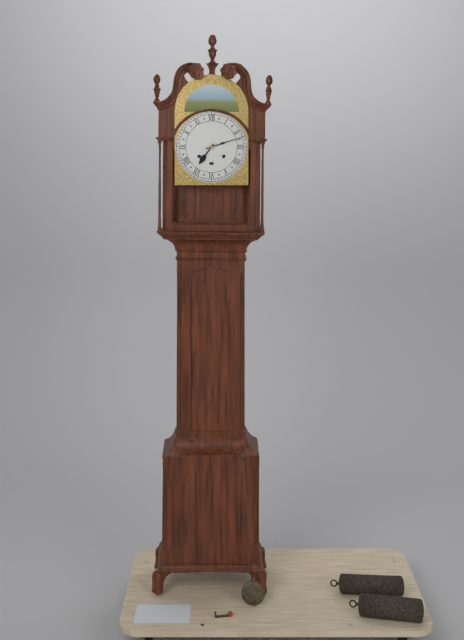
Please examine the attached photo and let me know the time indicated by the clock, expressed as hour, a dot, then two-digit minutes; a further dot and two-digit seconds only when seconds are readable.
7.12
